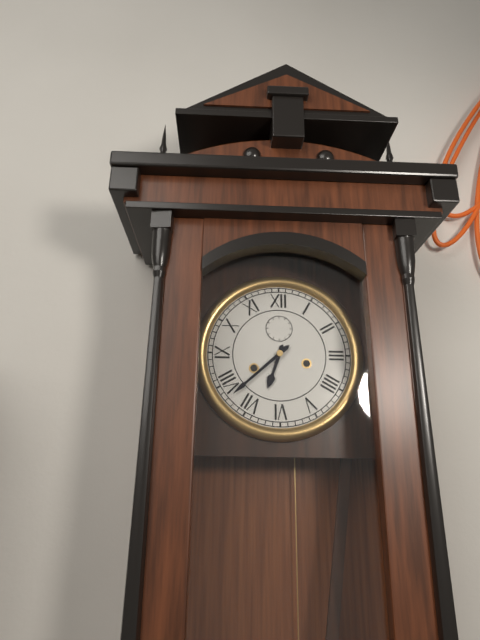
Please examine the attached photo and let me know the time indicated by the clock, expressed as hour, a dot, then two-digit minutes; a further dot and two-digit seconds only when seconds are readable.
6.38
